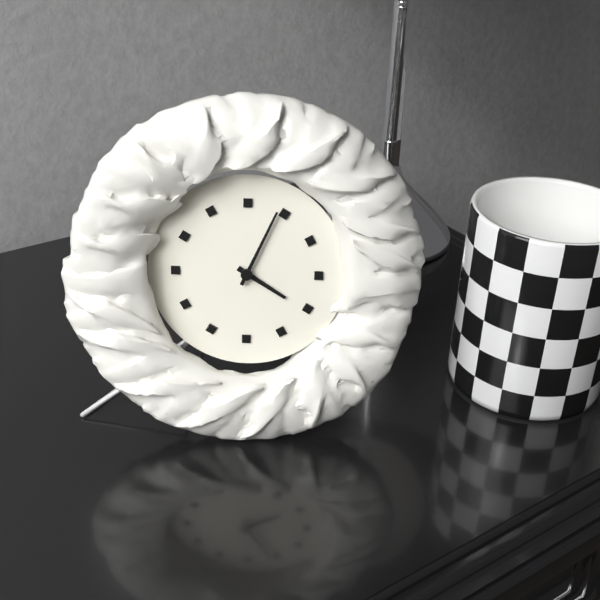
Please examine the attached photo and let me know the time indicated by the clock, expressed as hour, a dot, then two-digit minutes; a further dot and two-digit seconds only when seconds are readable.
4.04
